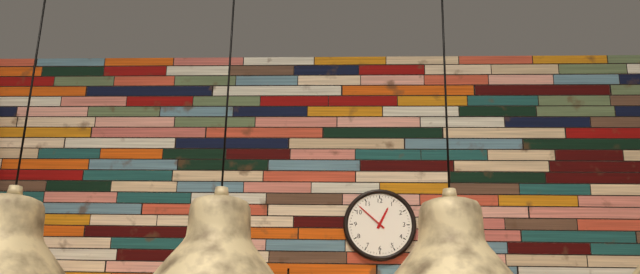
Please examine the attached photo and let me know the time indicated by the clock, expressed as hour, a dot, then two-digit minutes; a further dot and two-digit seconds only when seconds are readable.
12.52
